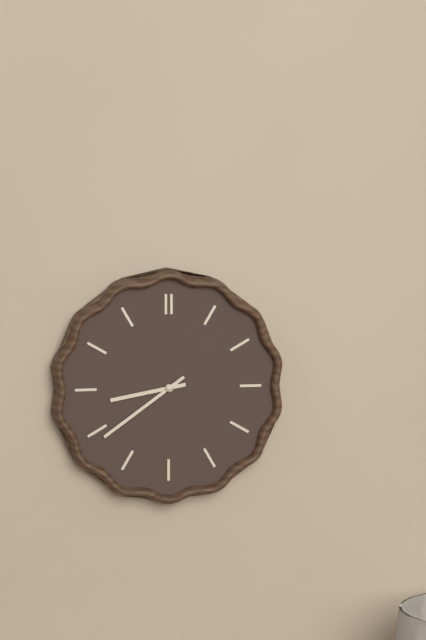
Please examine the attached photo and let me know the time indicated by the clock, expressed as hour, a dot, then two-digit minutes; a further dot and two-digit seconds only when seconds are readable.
8.39
